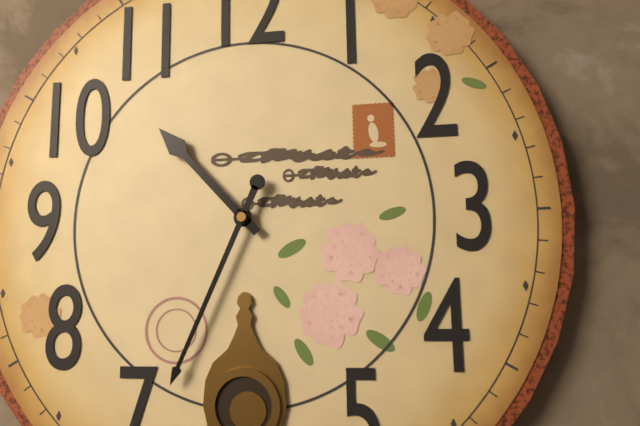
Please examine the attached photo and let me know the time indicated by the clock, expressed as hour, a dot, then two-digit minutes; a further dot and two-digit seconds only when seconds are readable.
10.34
